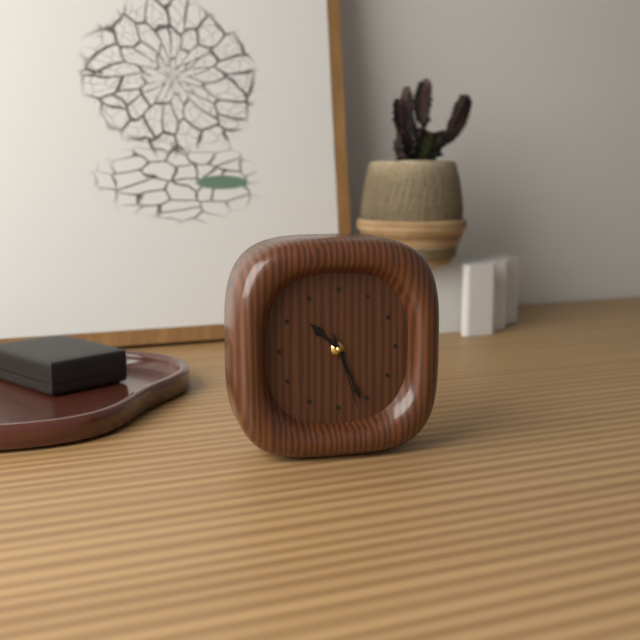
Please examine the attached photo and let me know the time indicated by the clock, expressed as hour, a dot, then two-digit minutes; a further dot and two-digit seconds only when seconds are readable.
10.26.27
